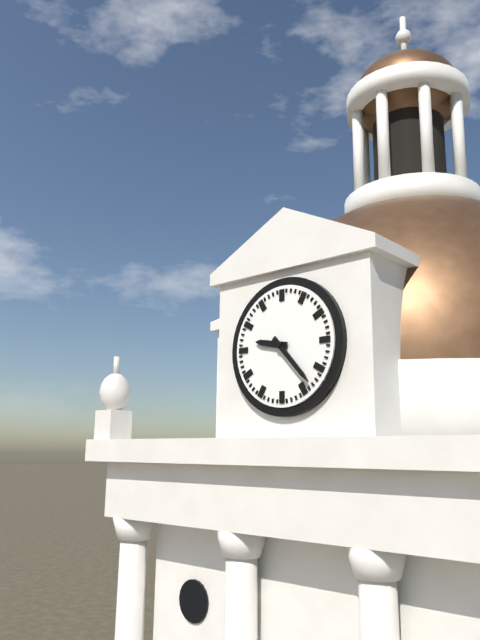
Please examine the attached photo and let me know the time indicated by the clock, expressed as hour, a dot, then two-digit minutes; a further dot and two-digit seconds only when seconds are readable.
9.23
